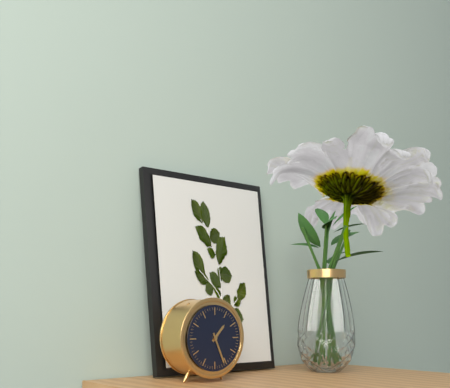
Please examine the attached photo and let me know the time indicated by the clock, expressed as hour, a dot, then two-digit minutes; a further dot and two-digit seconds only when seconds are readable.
1.26
